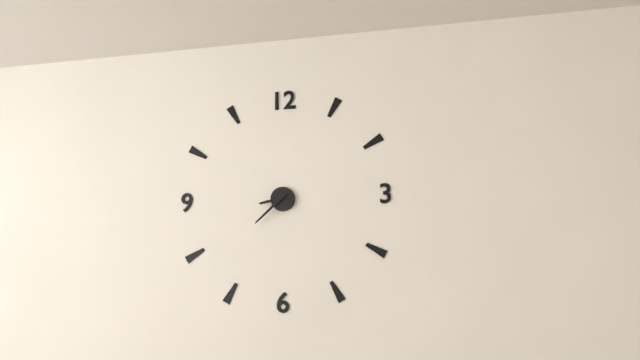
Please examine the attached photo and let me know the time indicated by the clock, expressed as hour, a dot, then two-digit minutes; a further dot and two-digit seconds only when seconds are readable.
8.38
